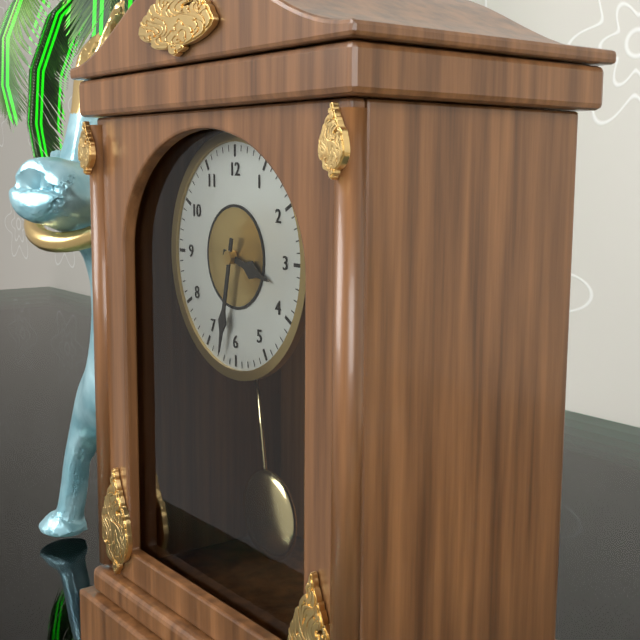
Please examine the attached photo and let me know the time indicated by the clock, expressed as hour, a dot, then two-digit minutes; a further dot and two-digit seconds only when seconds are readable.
3.32
